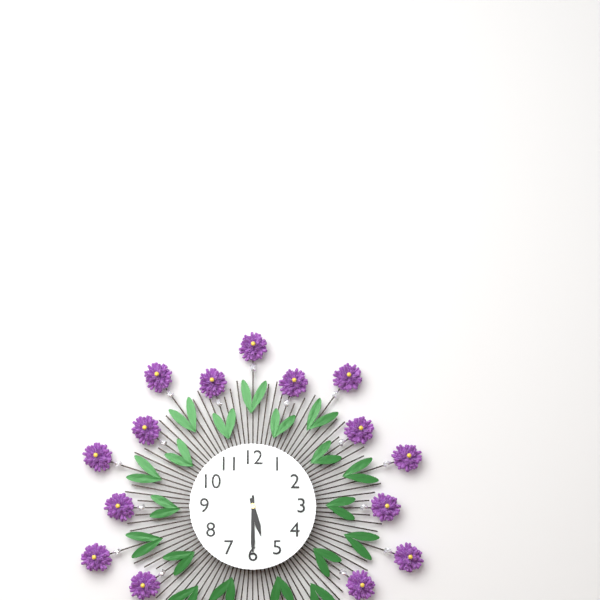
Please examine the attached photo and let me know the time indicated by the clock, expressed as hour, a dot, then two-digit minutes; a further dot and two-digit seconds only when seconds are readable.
5.30
